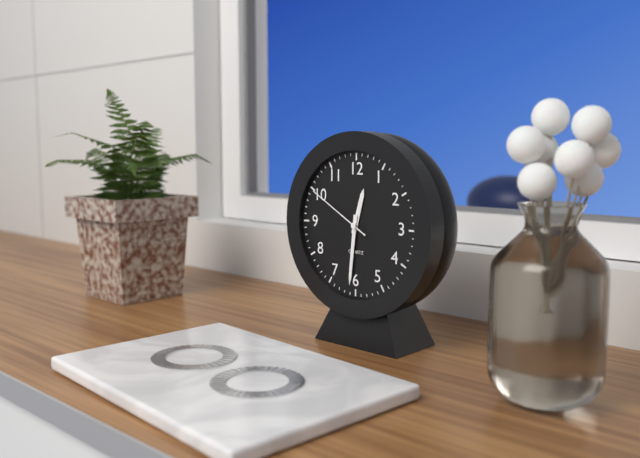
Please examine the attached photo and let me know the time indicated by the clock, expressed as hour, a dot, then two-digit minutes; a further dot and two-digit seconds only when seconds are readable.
12.31.50
